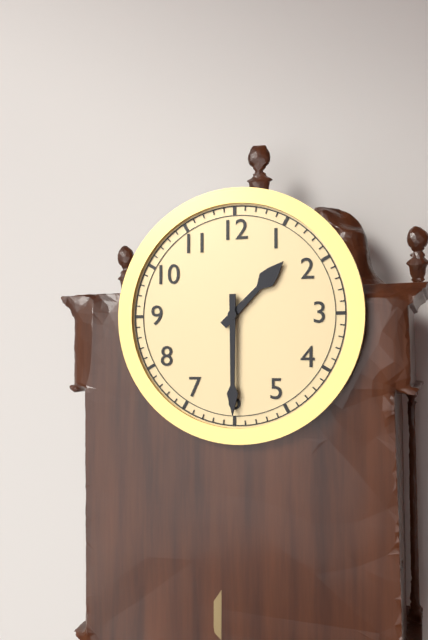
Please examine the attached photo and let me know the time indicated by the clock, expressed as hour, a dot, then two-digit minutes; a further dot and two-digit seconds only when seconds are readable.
1.30
